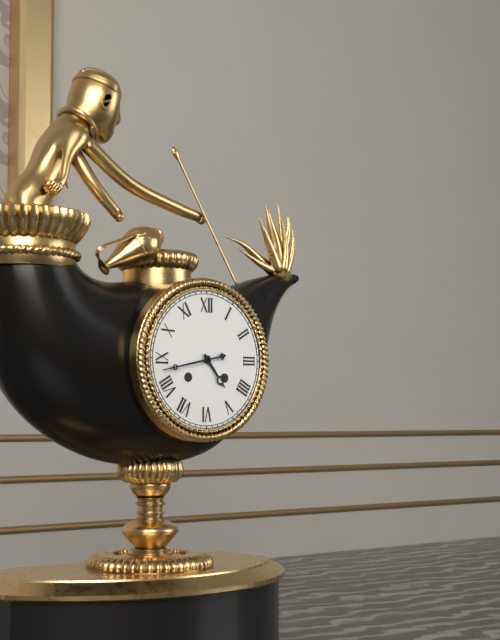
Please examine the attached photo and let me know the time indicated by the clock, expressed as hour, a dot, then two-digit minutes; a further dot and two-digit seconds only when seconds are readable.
4.43
